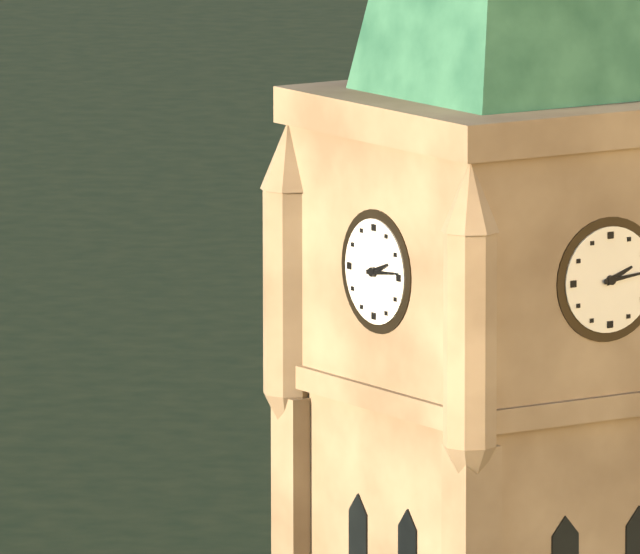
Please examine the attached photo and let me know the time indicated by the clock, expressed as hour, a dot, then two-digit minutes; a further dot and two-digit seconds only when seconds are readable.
2.14
